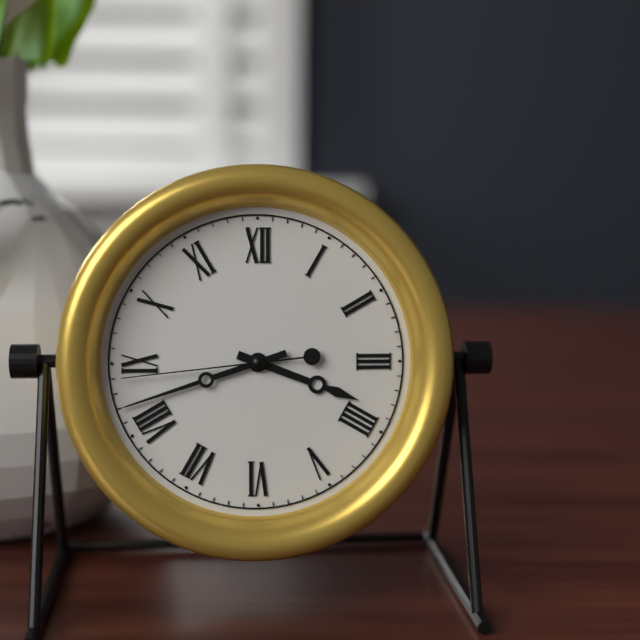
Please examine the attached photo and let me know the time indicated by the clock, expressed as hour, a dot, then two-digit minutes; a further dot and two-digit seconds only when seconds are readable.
3.42.44
